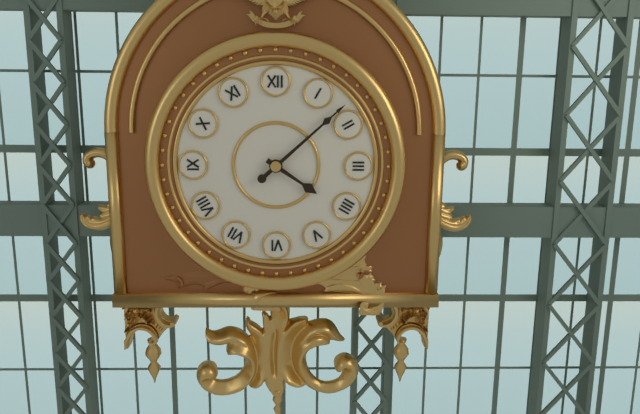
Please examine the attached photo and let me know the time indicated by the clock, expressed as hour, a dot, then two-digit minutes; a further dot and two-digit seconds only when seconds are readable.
4.08
